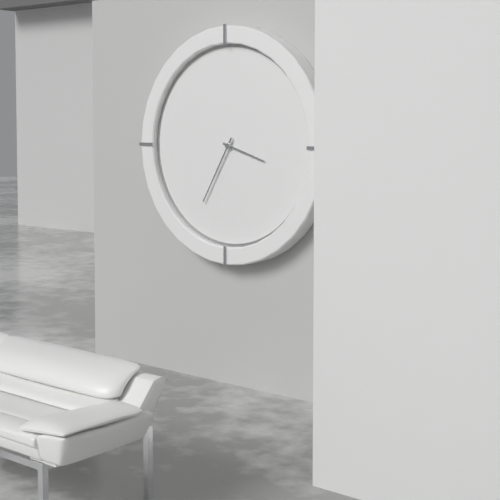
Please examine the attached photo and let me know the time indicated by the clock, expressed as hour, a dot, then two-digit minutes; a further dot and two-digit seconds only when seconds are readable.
3.35
